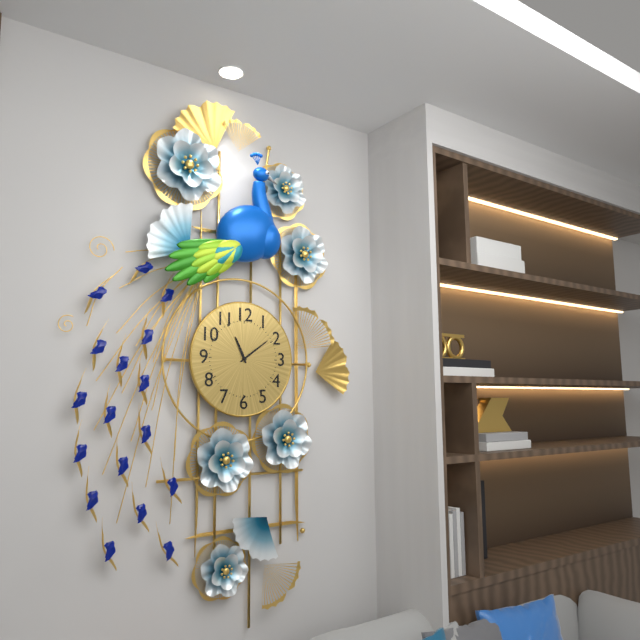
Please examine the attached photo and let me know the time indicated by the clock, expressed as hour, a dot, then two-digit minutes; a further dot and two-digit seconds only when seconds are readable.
11.09
